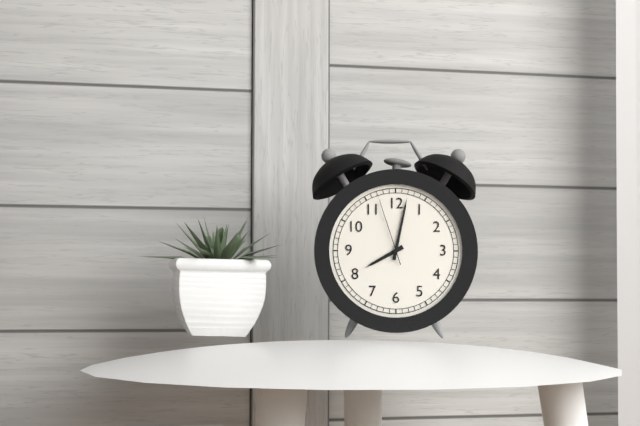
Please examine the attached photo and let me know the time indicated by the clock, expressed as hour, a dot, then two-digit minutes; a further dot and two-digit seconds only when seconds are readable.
8.02.57
